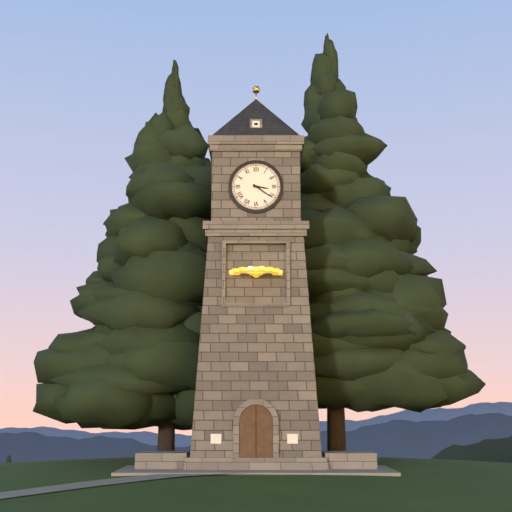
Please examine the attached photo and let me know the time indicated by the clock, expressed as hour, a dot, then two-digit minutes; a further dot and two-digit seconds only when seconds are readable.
3.21
